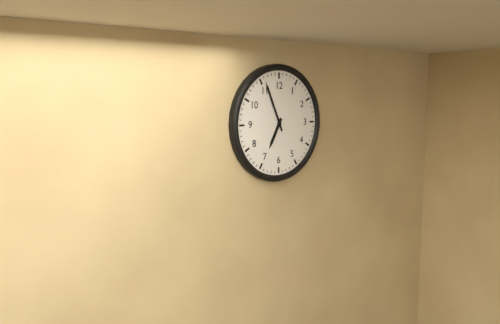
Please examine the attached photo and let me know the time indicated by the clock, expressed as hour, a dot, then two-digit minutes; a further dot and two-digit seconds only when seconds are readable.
6.56
